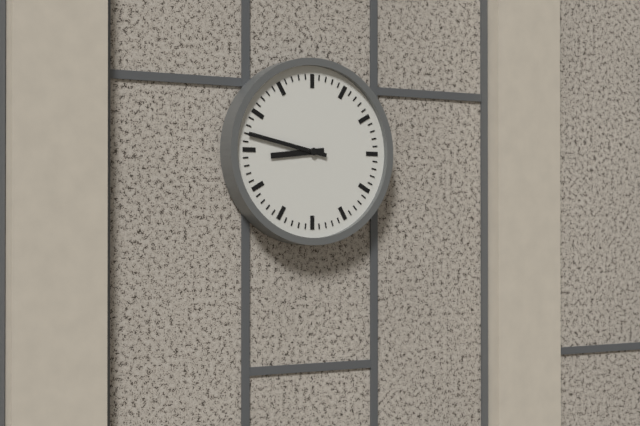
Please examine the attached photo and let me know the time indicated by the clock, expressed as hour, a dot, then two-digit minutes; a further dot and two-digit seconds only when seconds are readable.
8.47
